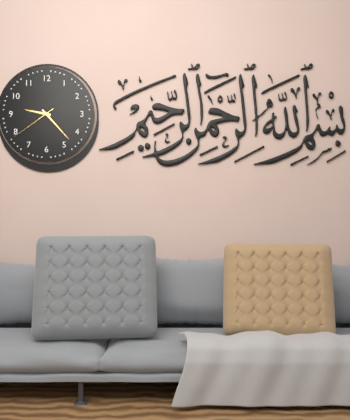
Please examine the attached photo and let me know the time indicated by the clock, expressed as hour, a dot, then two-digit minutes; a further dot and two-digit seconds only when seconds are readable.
9.23
